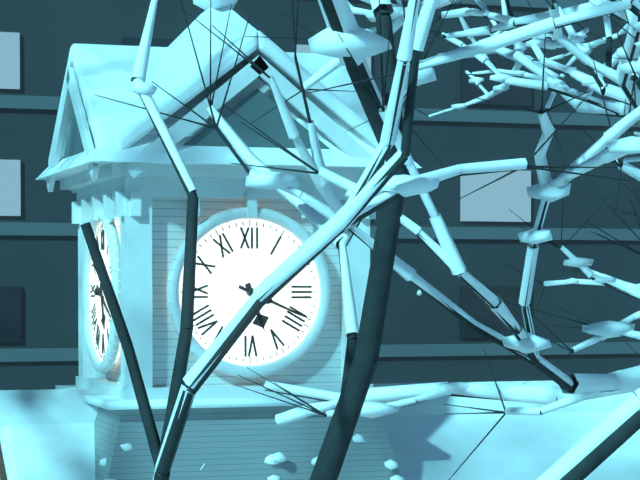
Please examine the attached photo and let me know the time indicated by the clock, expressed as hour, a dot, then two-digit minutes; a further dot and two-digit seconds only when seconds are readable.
5.19
